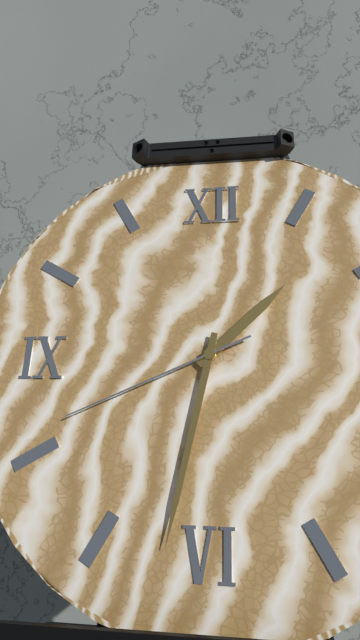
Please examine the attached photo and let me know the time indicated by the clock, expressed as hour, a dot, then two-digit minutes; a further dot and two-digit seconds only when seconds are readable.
1.32.41
